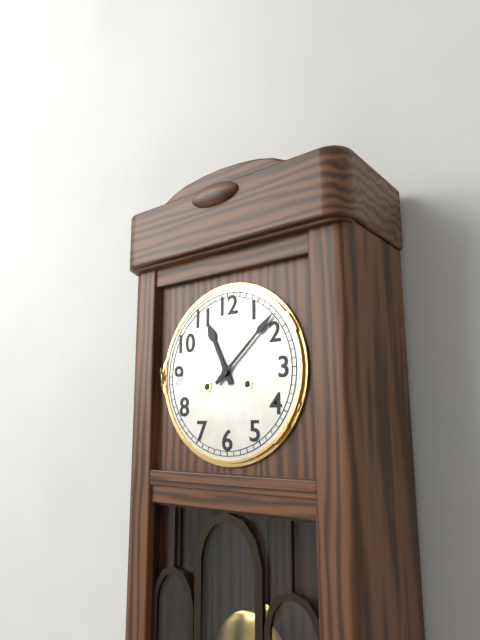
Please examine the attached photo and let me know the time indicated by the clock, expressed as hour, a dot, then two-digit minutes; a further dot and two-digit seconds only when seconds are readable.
11.08
